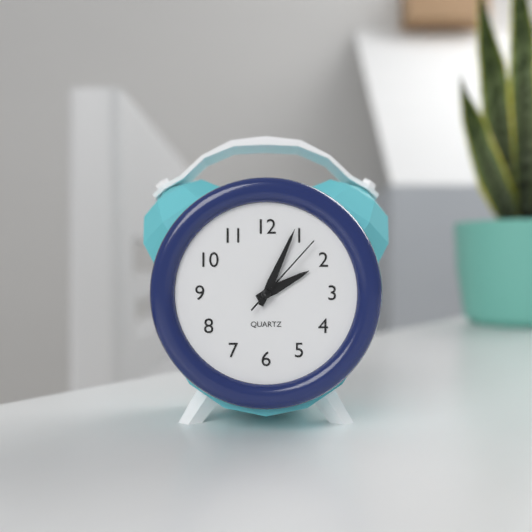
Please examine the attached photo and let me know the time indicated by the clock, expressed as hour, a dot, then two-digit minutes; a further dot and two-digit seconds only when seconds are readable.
2.04.07
